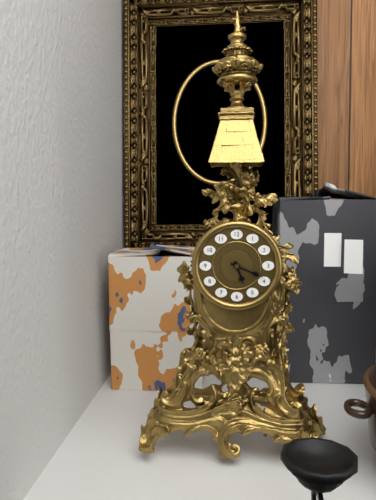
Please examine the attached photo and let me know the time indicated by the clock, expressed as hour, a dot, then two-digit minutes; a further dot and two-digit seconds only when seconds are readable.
5.19
